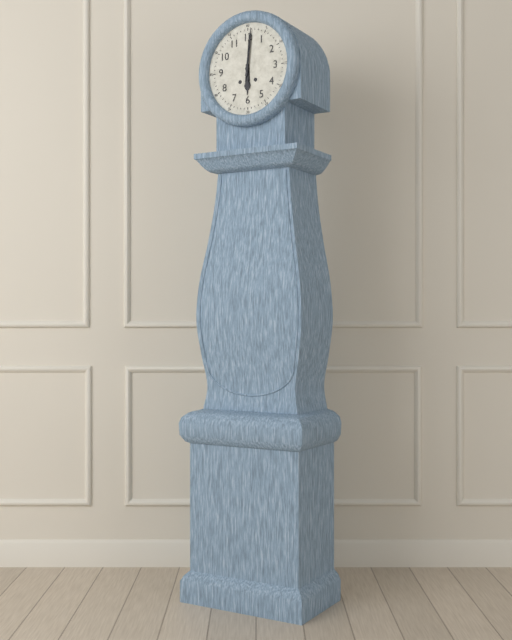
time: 6:01
